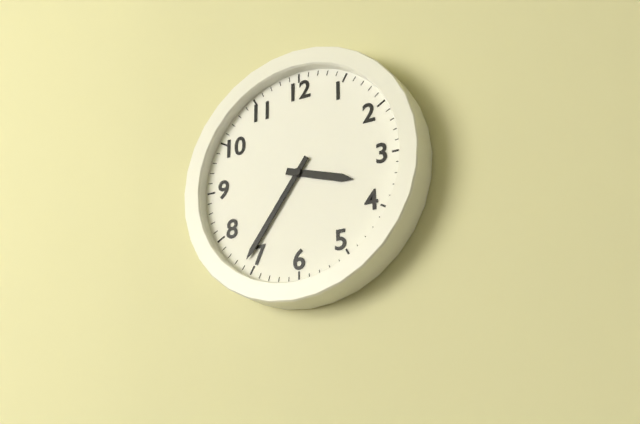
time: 3:36
